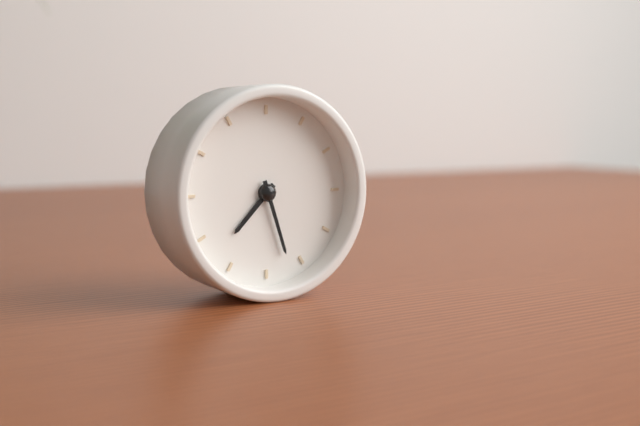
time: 7:27
